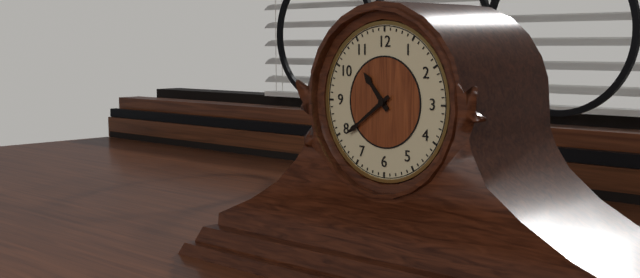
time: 10:39
